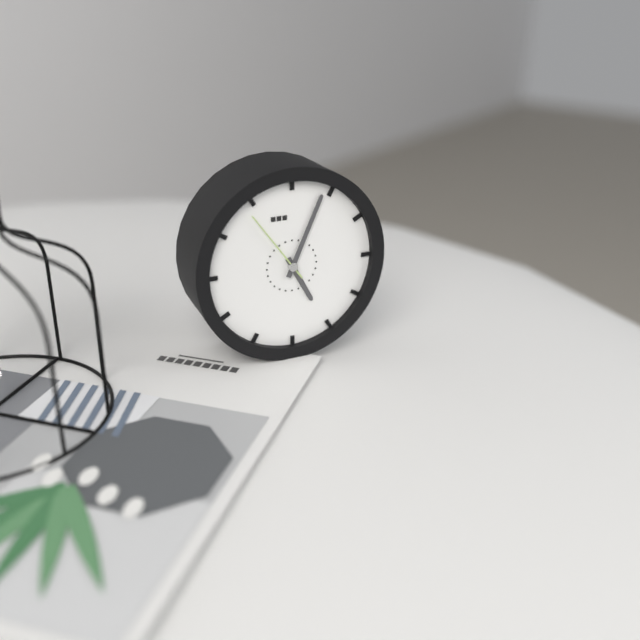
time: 5:04:54
